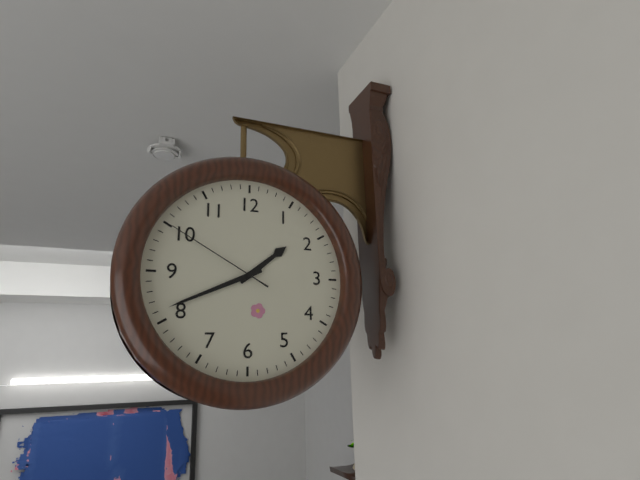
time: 1:41:50
